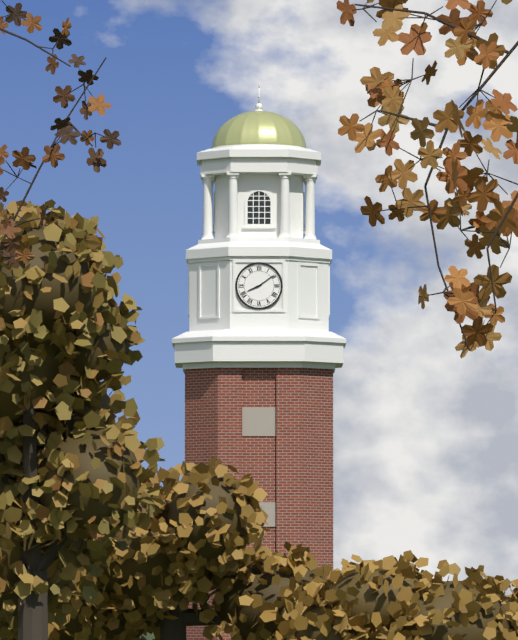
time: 8:09
